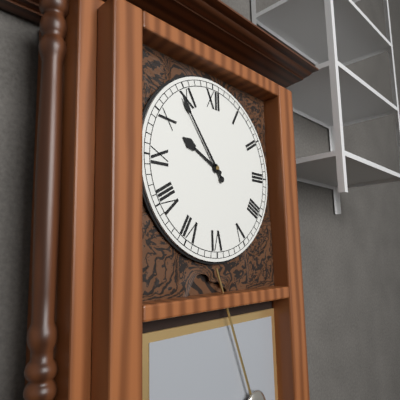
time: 9:54
